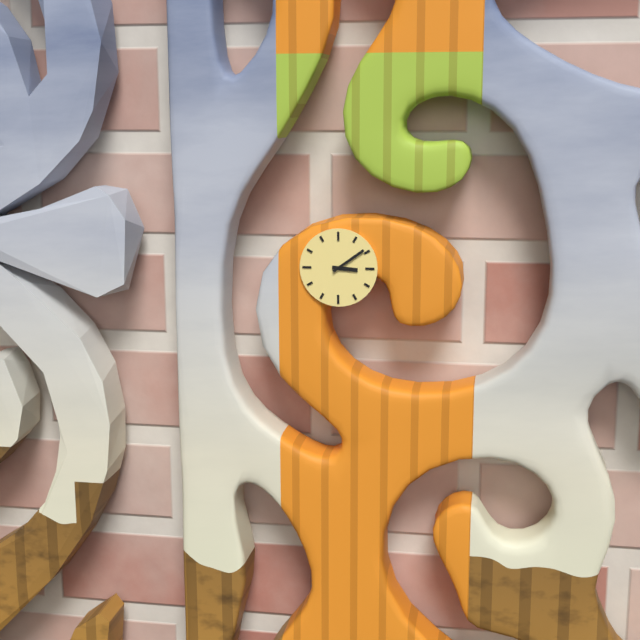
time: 3:09
